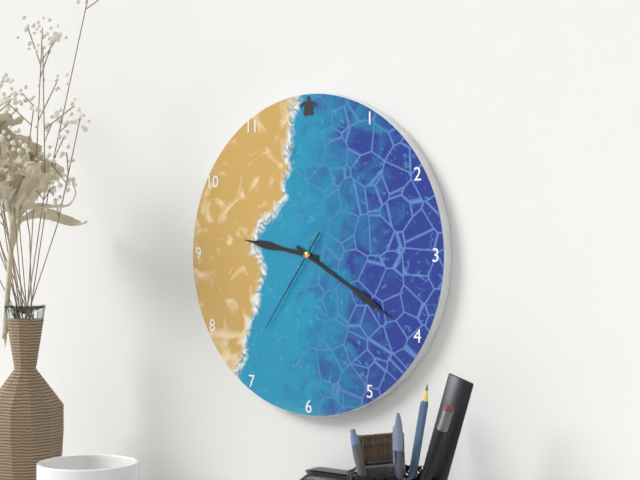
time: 9:20:36
